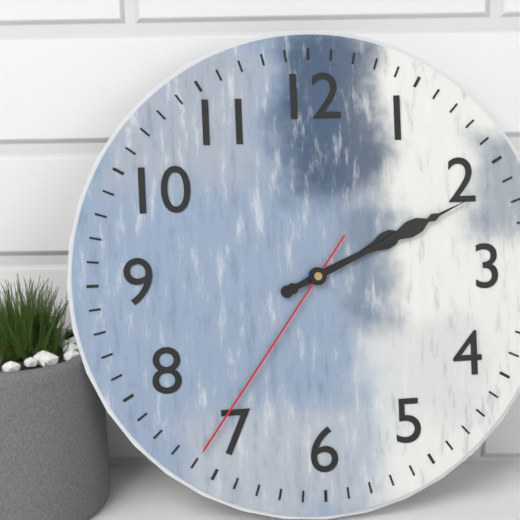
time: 2:11:36
